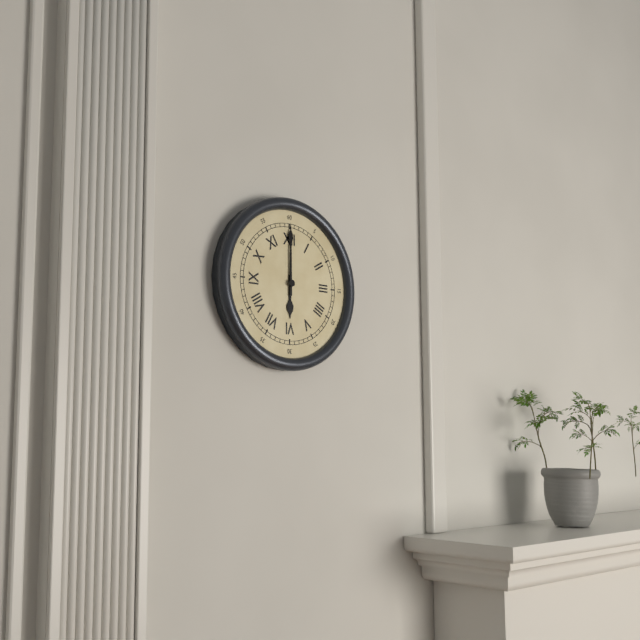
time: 6:00
